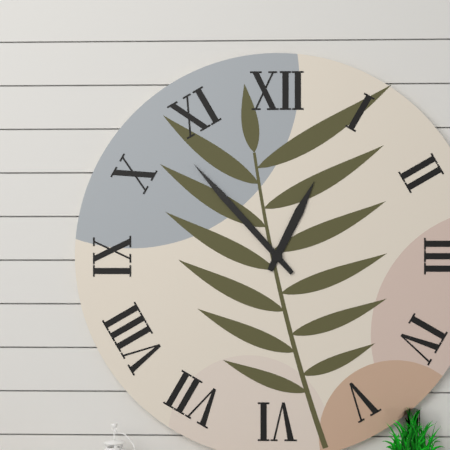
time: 12:53
